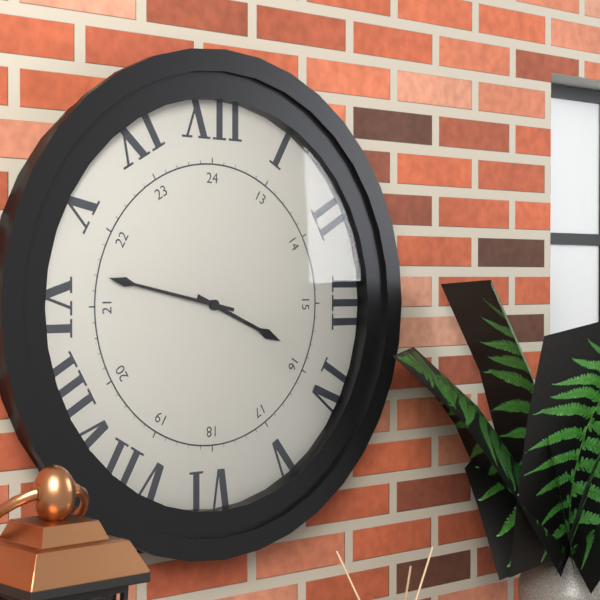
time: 3:47
